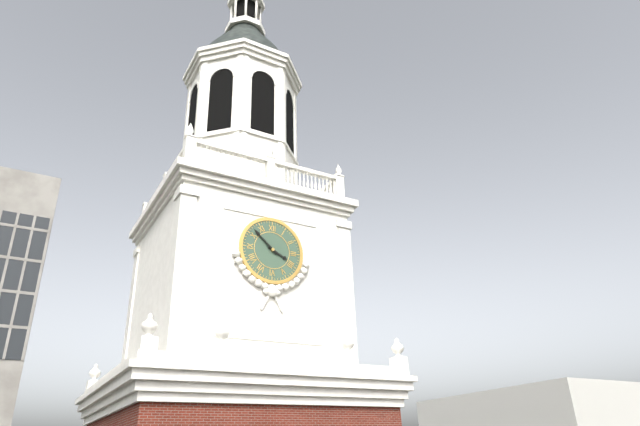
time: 3:52
